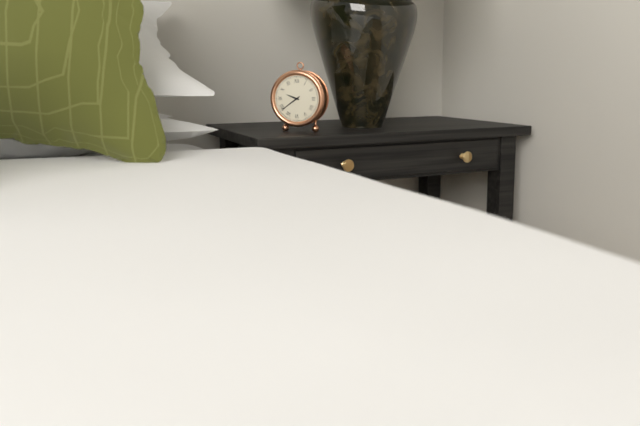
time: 9:39
